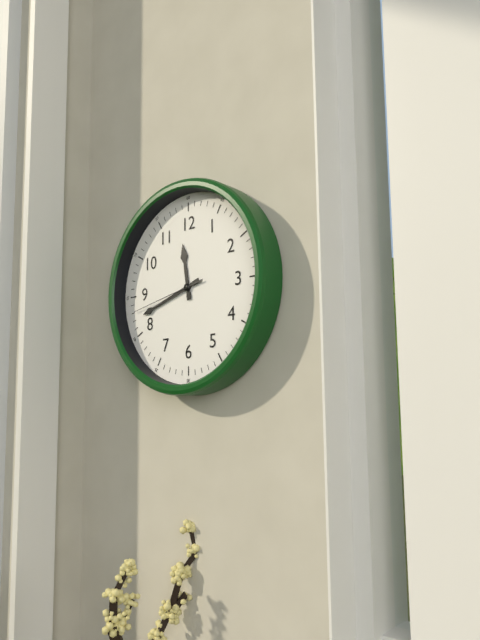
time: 11:42:43
